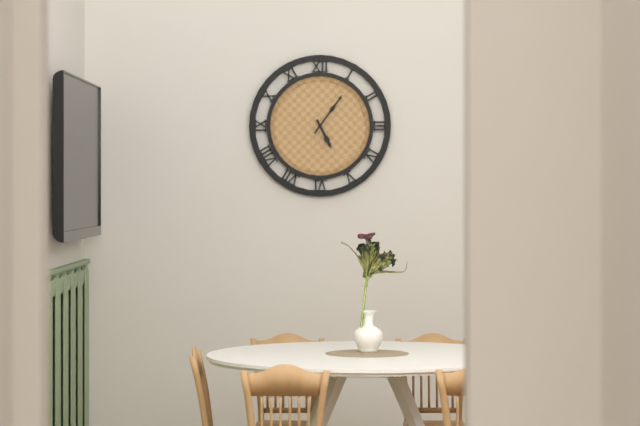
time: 5:06
